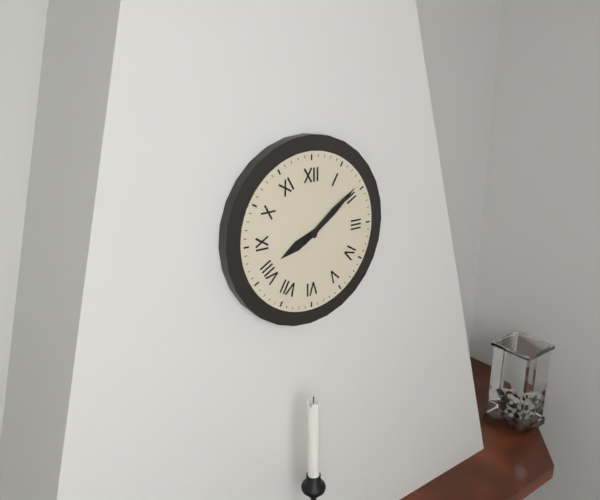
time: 8:09
